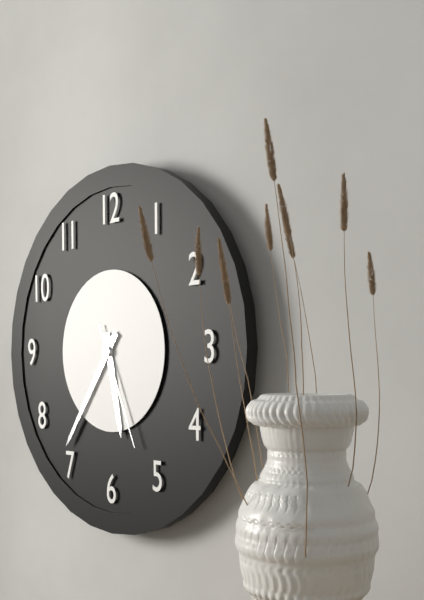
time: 5:36:26
